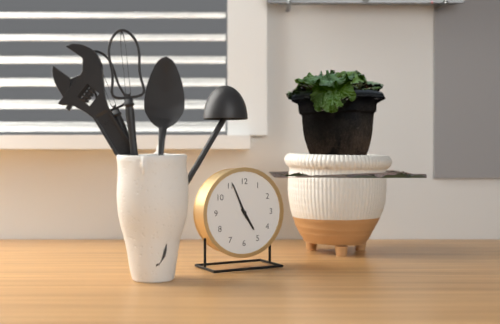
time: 4:56
